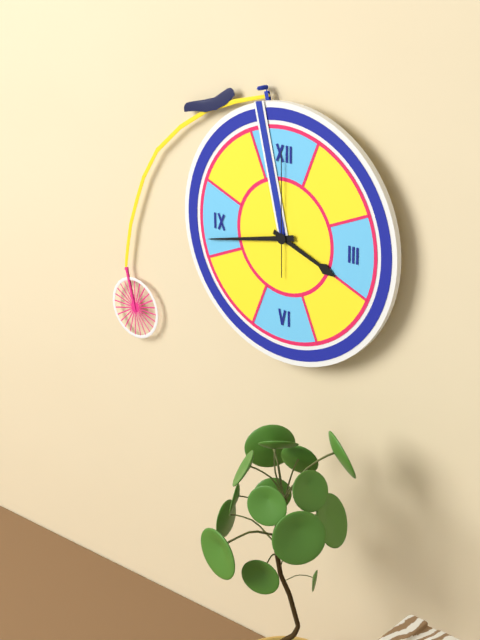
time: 3:43:00
